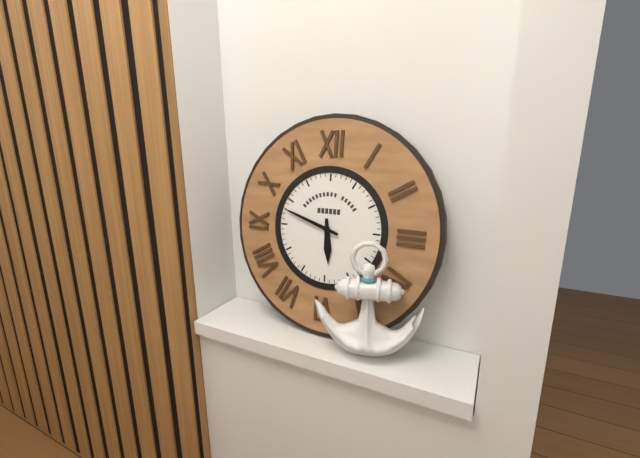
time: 5:48
